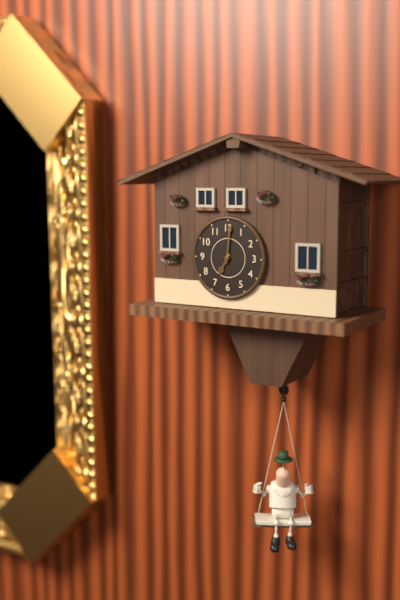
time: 7:01
